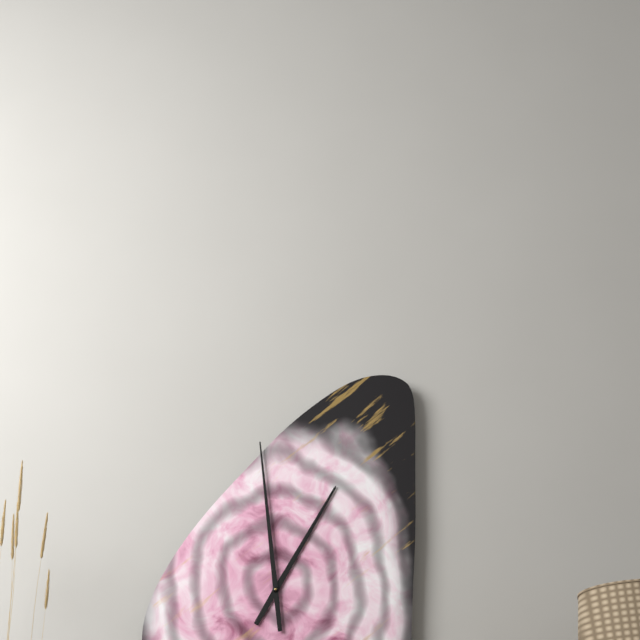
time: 12:59
